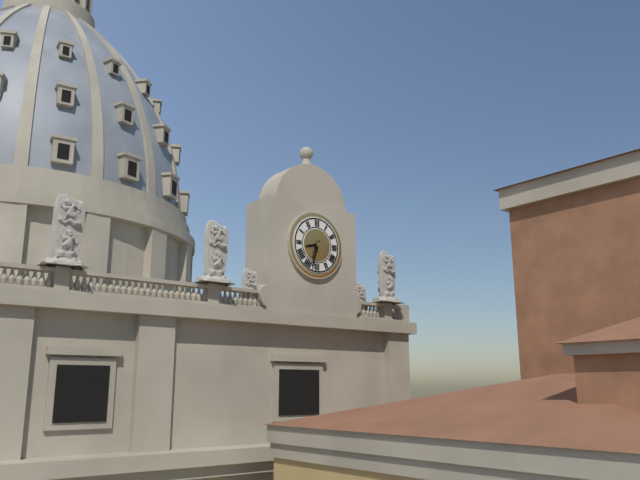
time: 8:33
